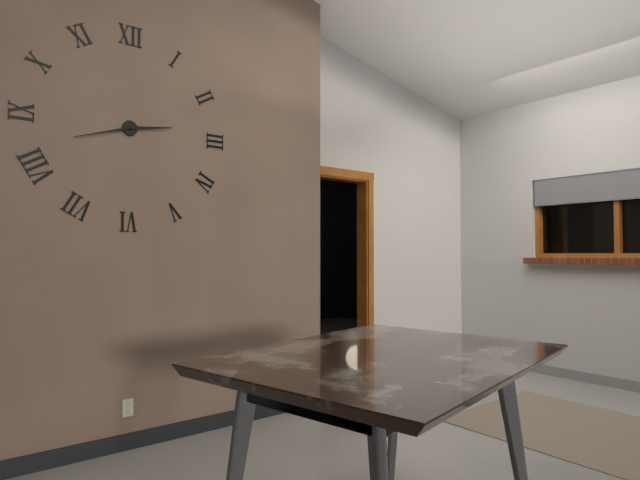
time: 2:42
